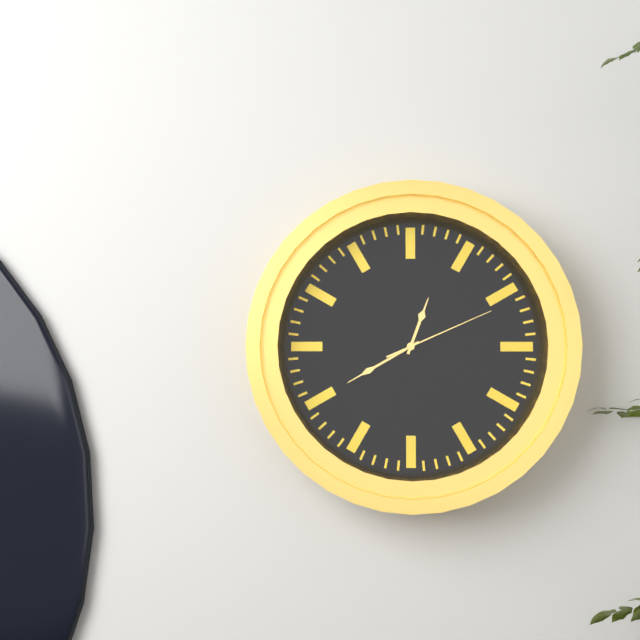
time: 12:40:11
